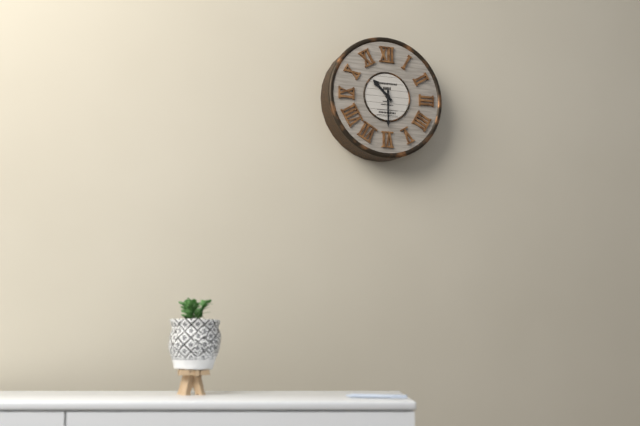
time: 10:30
